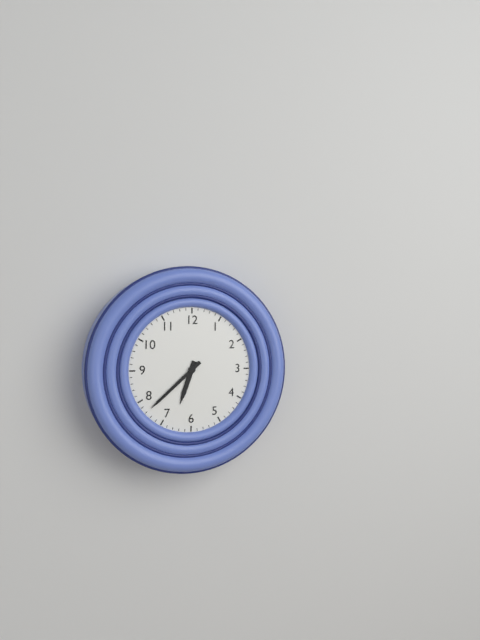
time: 6:38
